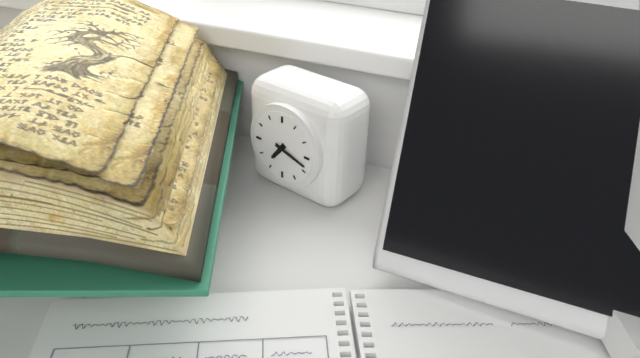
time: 7:18
